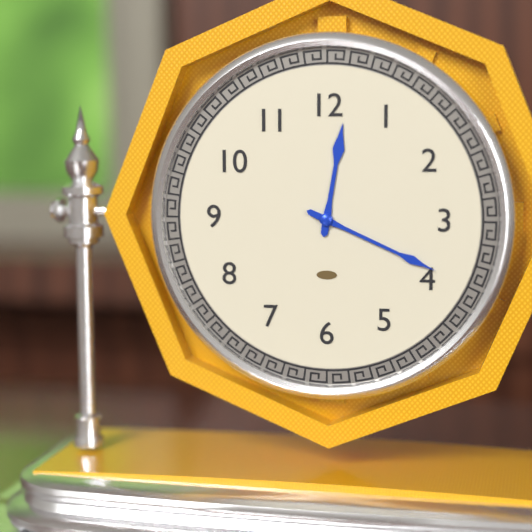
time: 12:19
